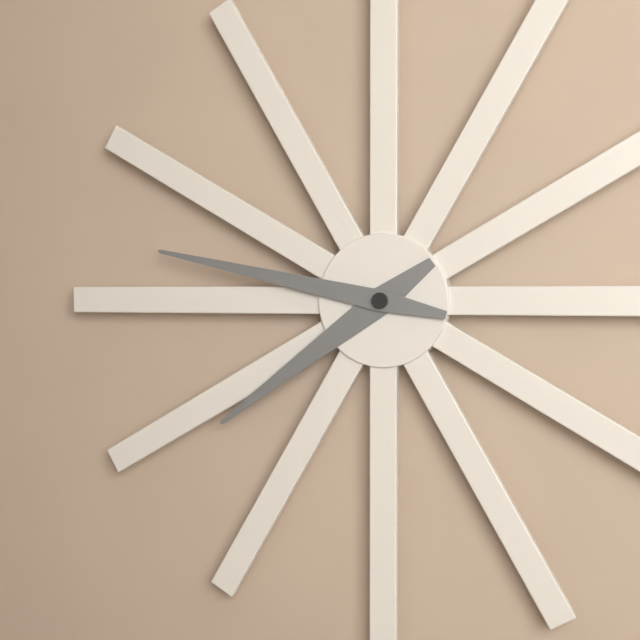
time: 7:47
